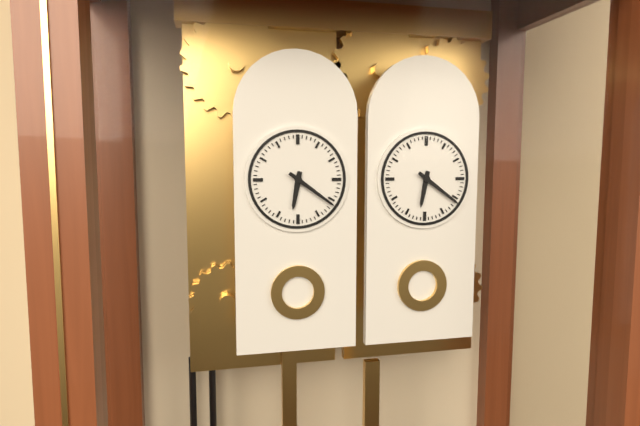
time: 6:21
